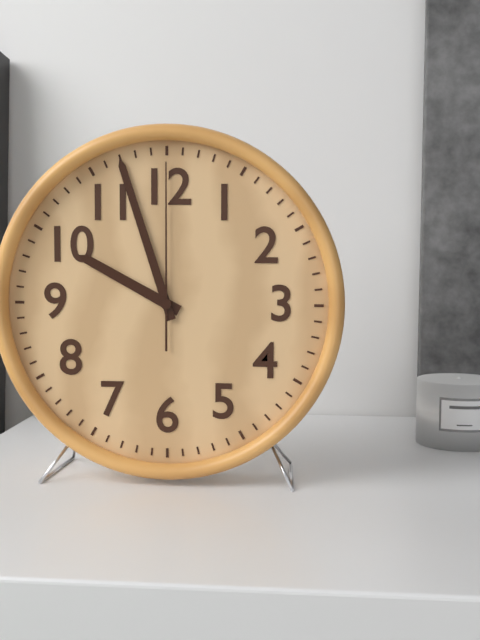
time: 9:57:00
